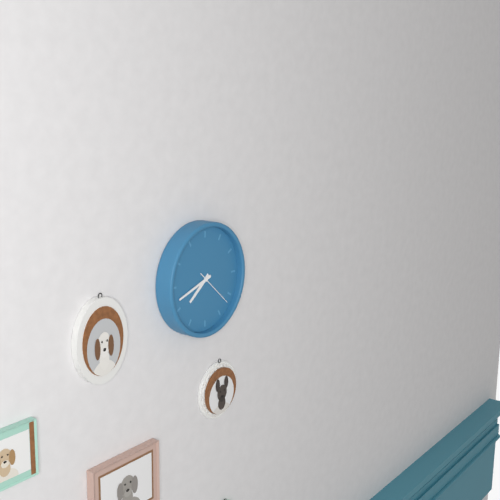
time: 7:42
